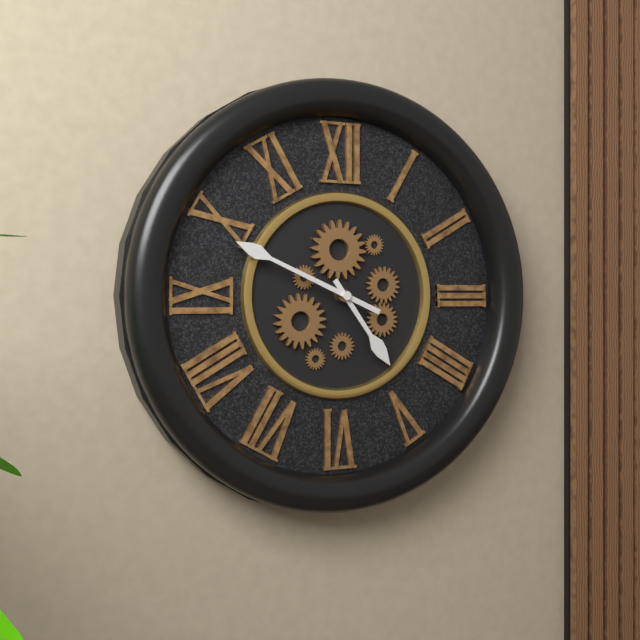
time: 4:49
